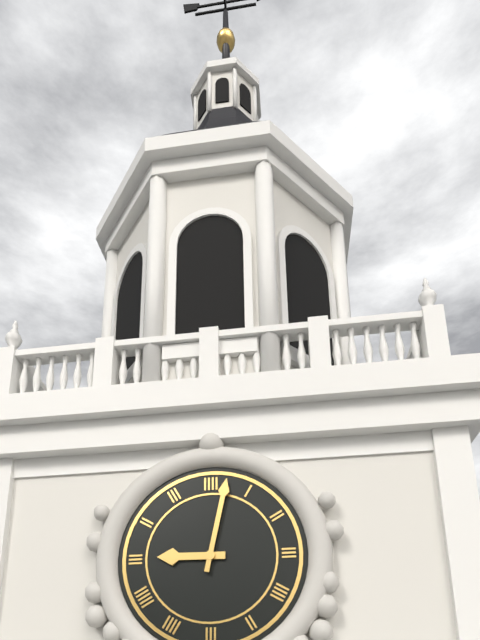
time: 9:02
